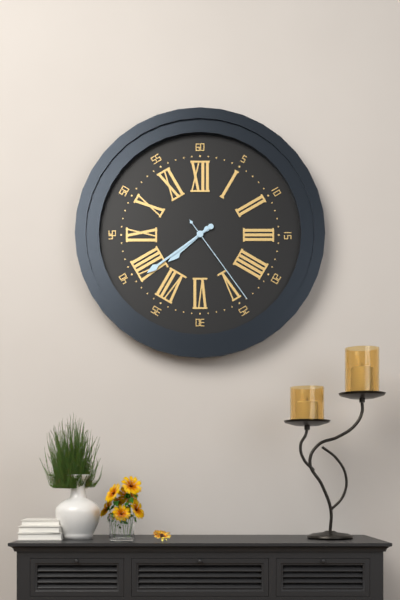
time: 7:39:24
